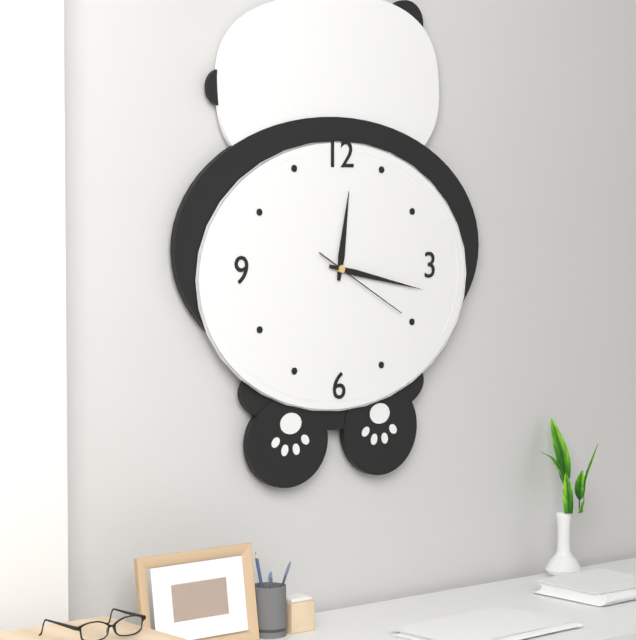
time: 12:17:20
